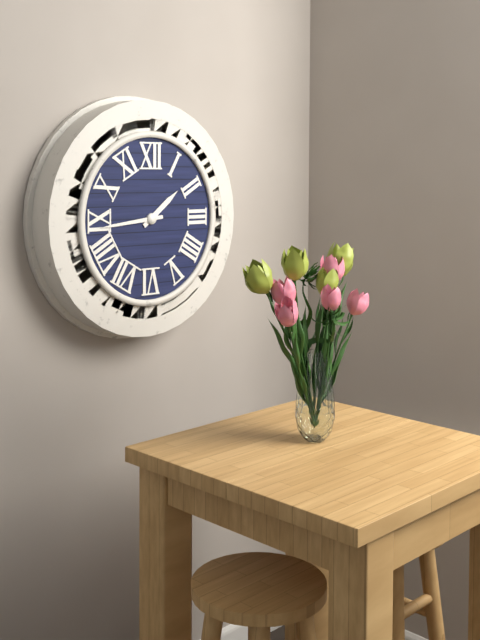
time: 1:44
